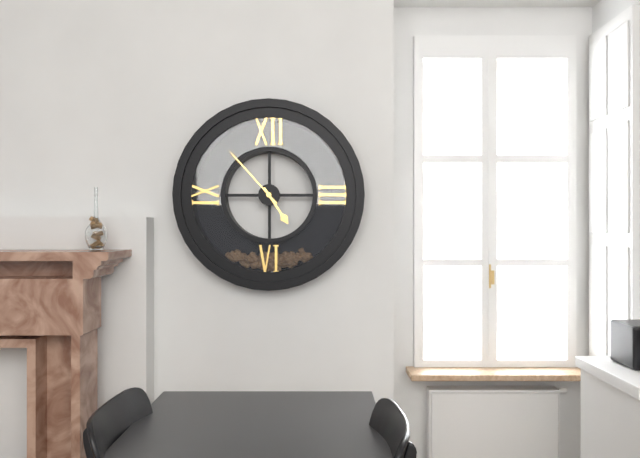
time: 4:53
